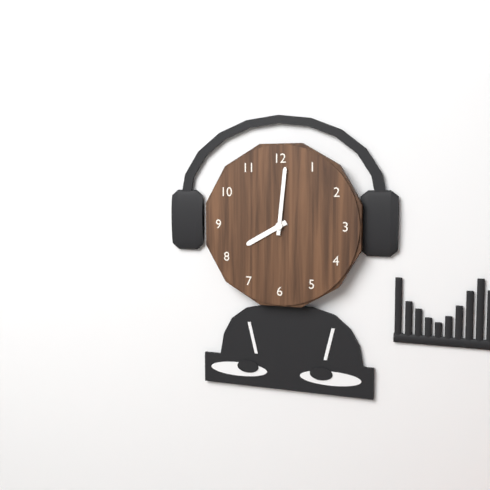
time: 8:01
